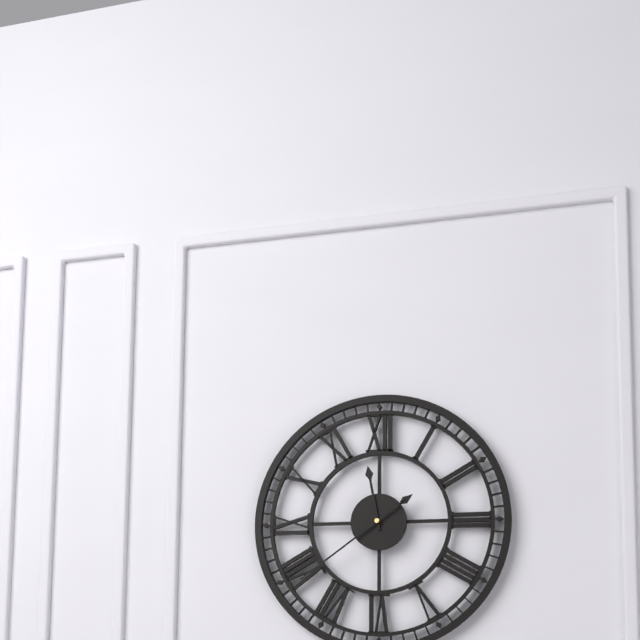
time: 11:39
